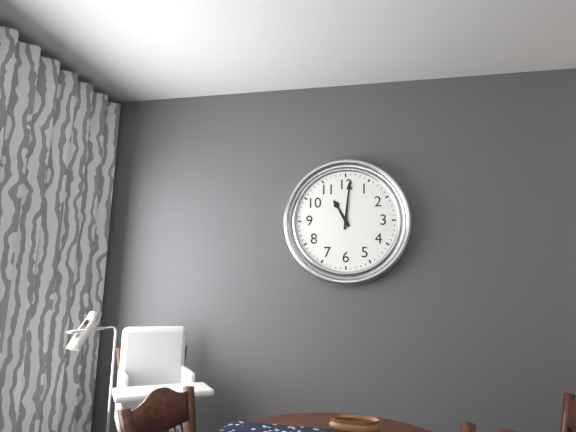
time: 11:01
